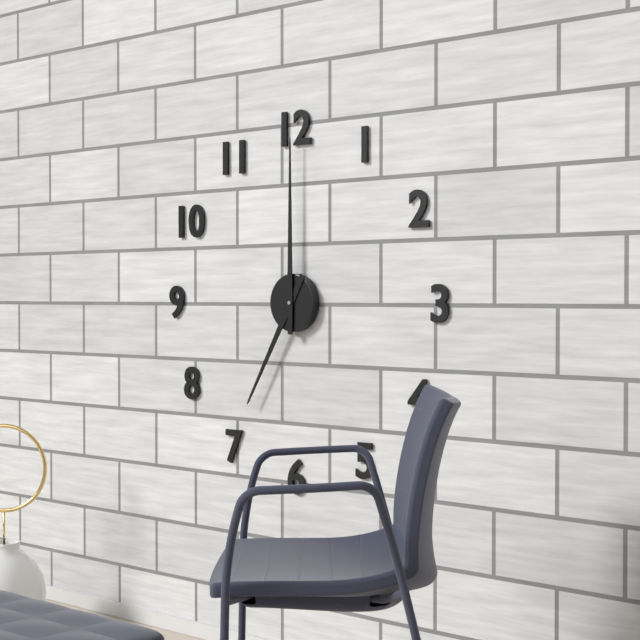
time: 7:00
